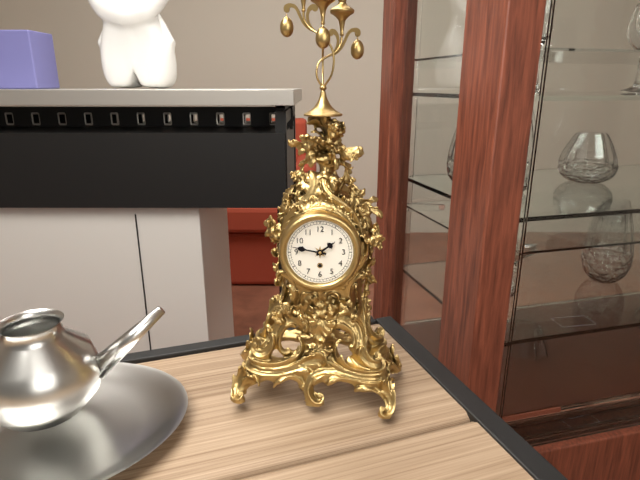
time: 1:47
